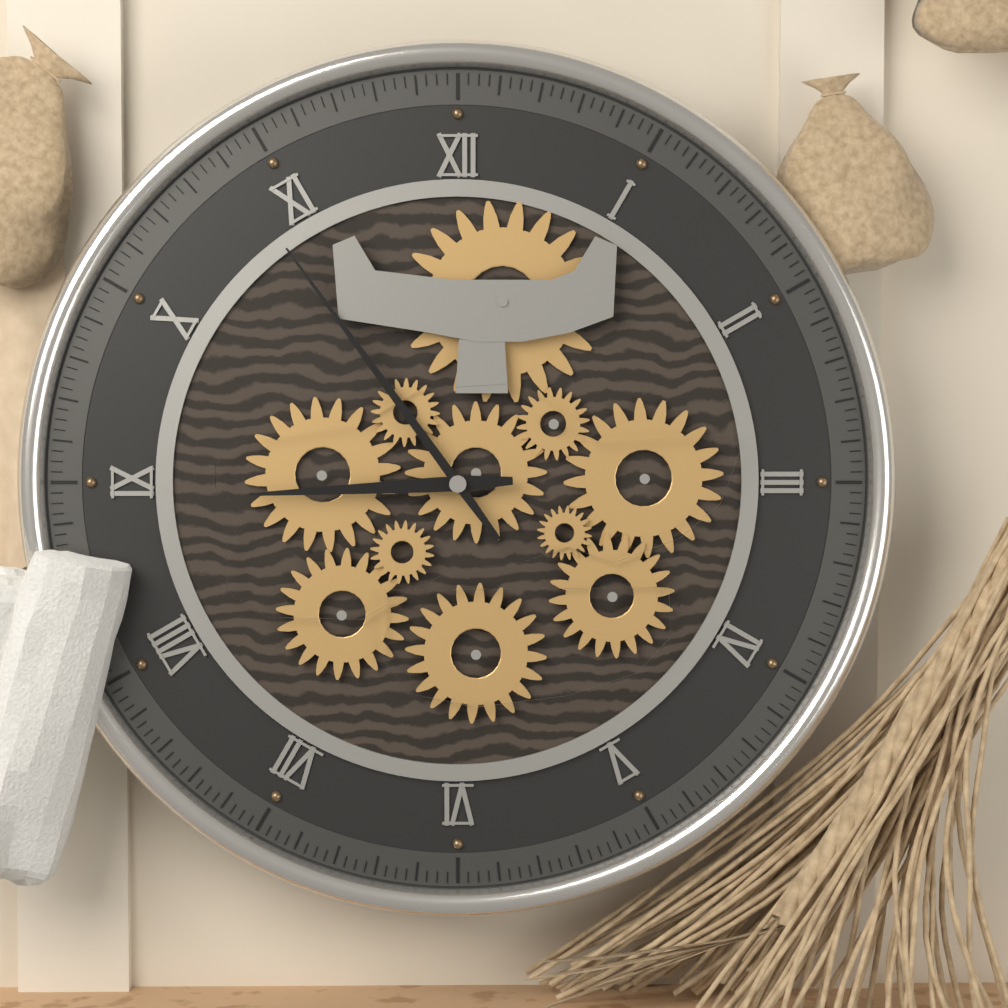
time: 8:54
